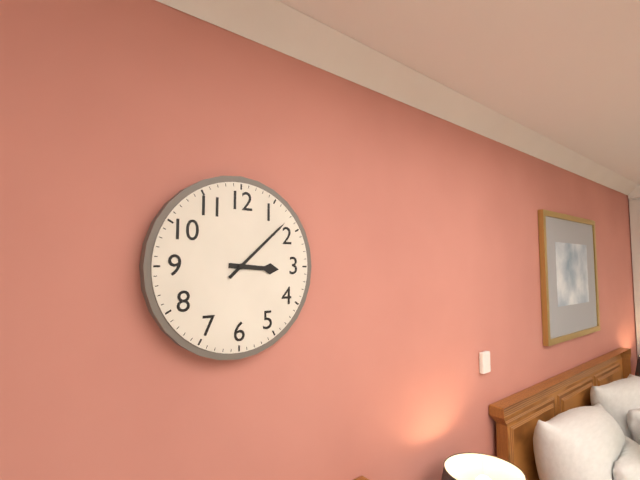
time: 3:08
